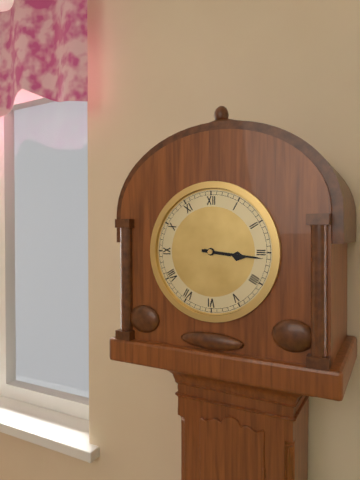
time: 3:16
